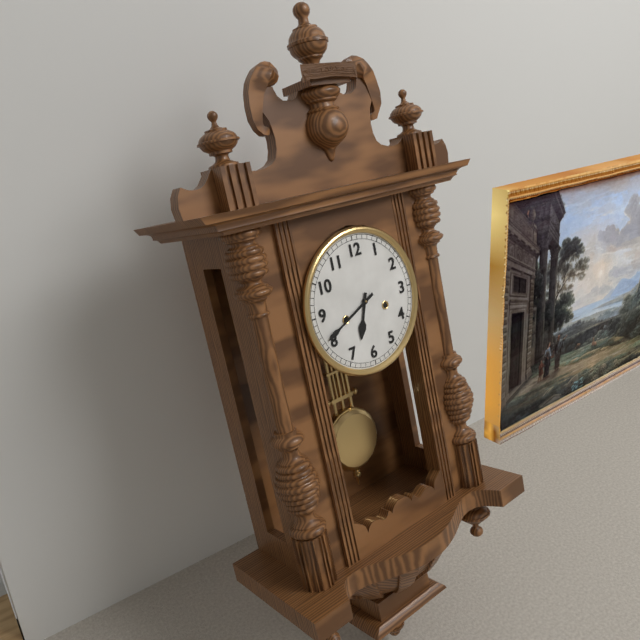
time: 6:41
